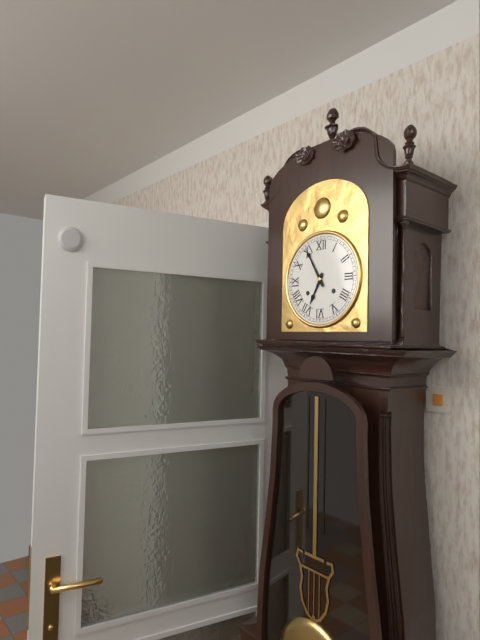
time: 6:55
